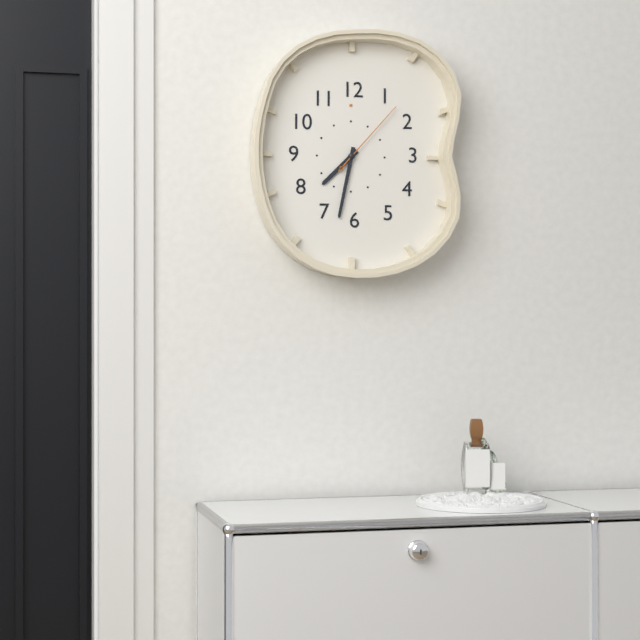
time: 7:32:07
